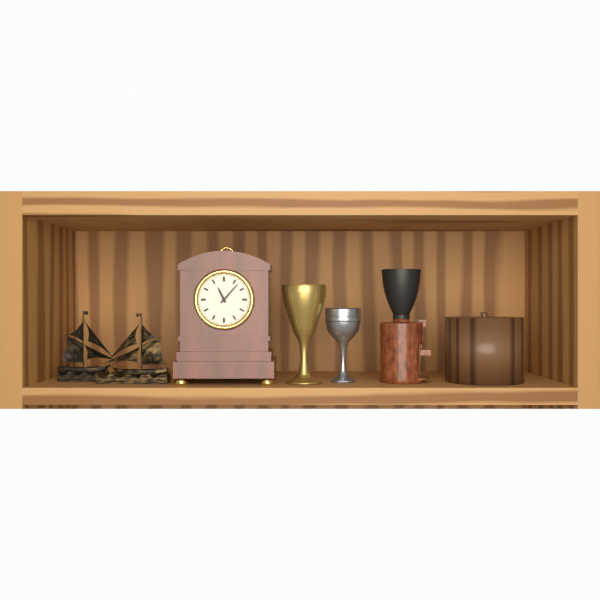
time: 11:07
